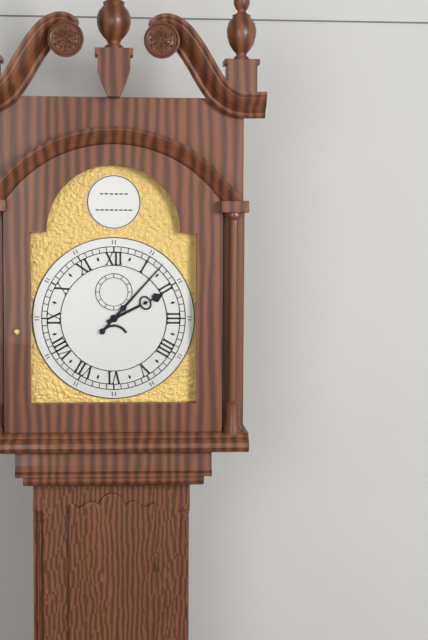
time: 2:07
